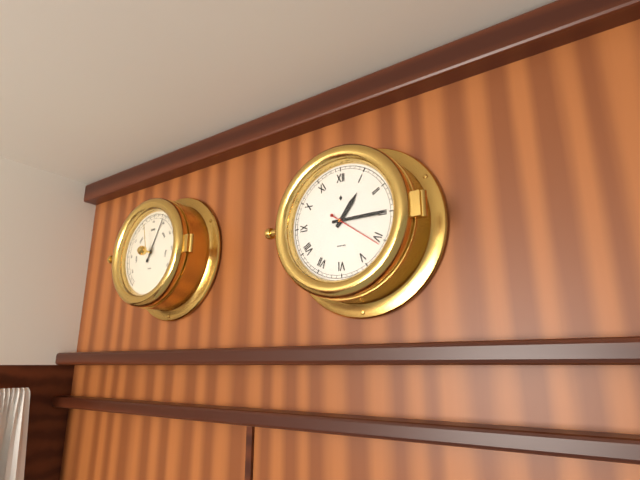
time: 1:15
